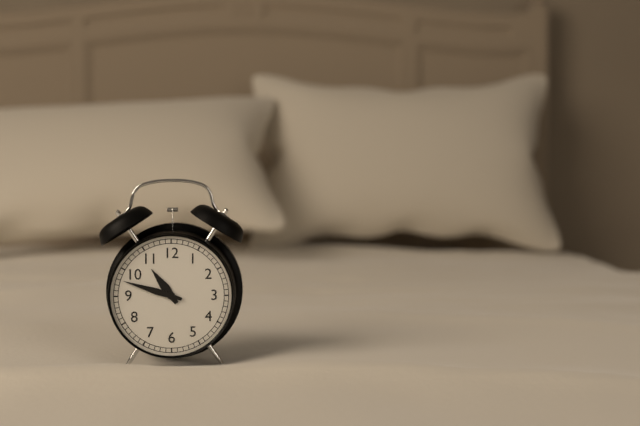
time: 10:48
